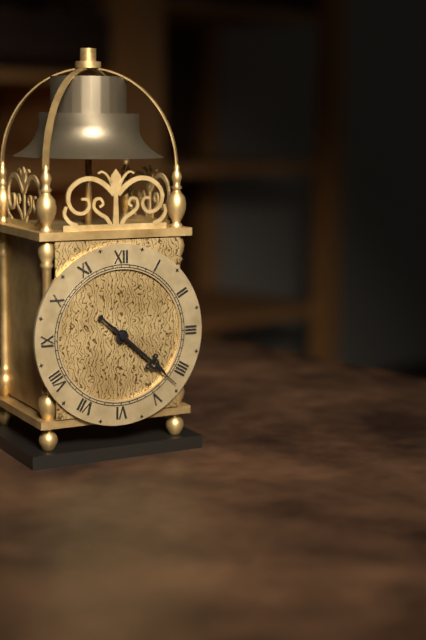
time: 4:22
